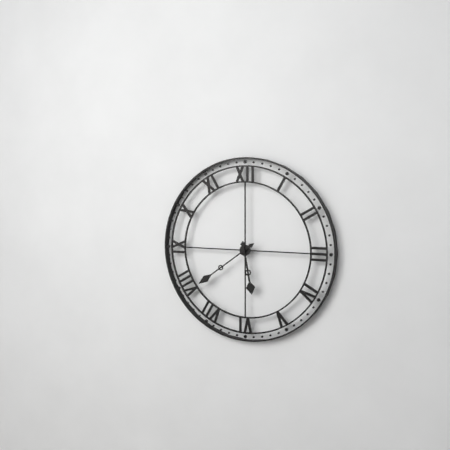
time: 5:39
